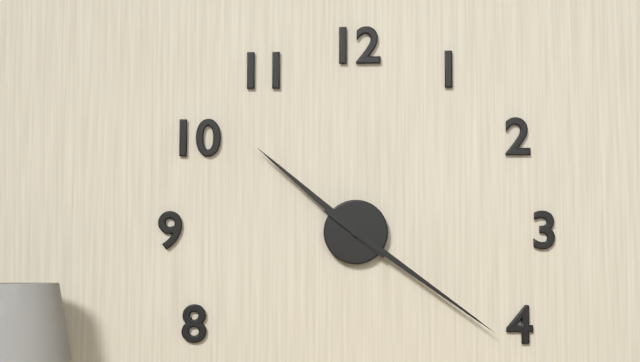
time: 10:21
